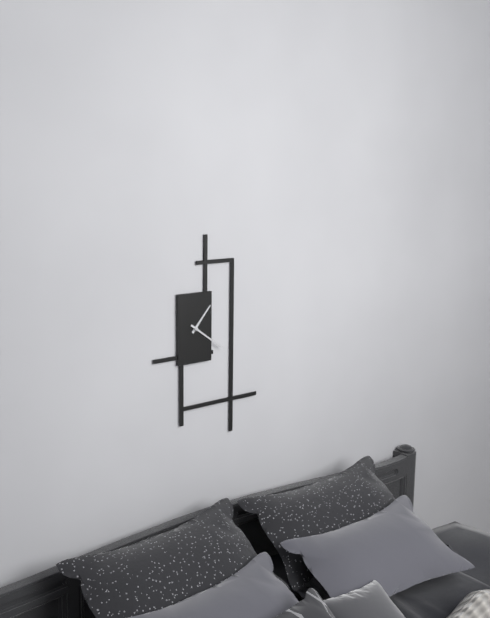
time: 1:21
